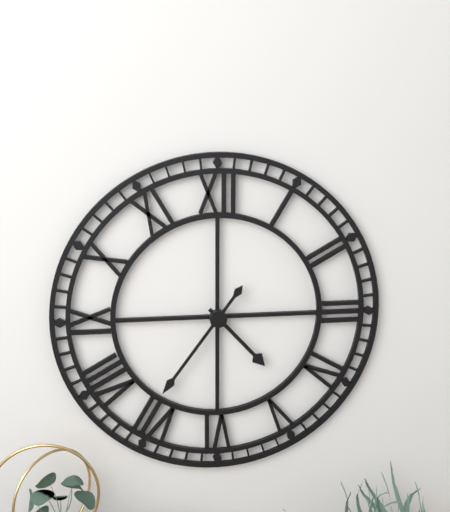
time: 4:36
